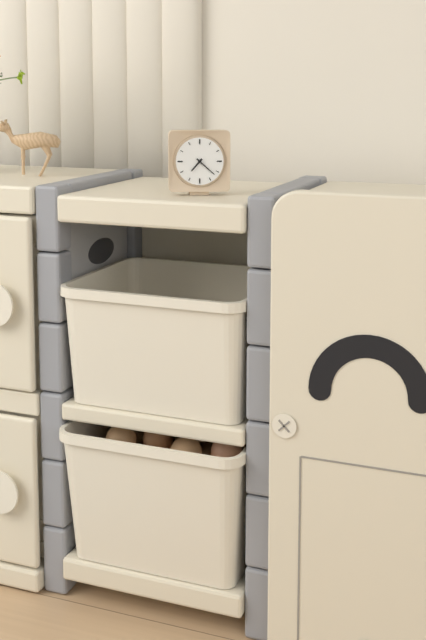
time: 7:22
